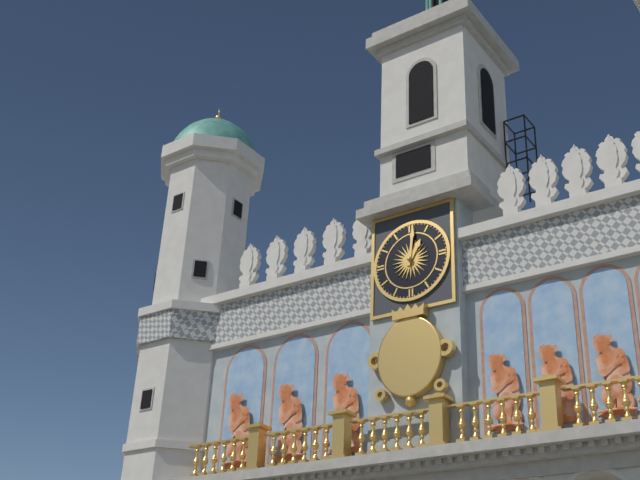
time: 1:01
